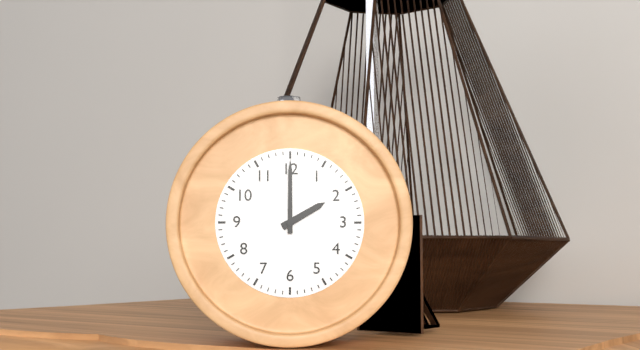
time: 2:00
